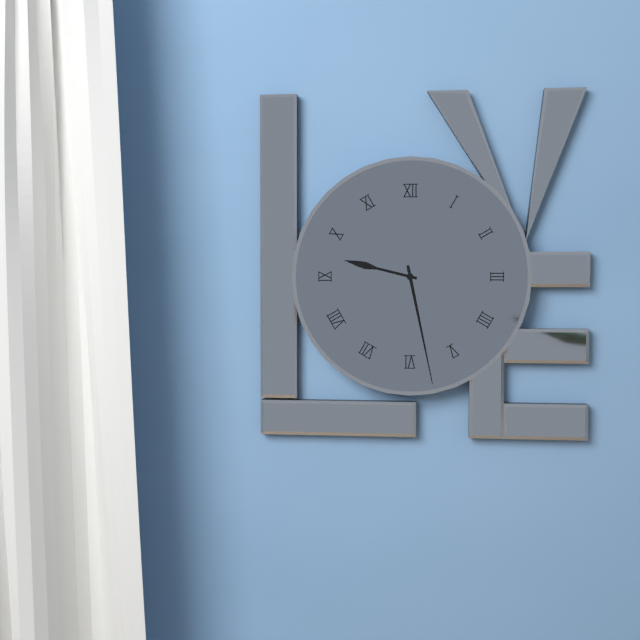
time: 9:28
